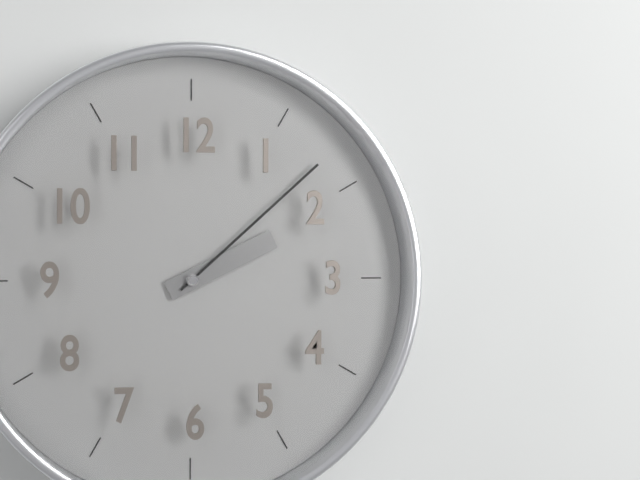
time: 2:08
